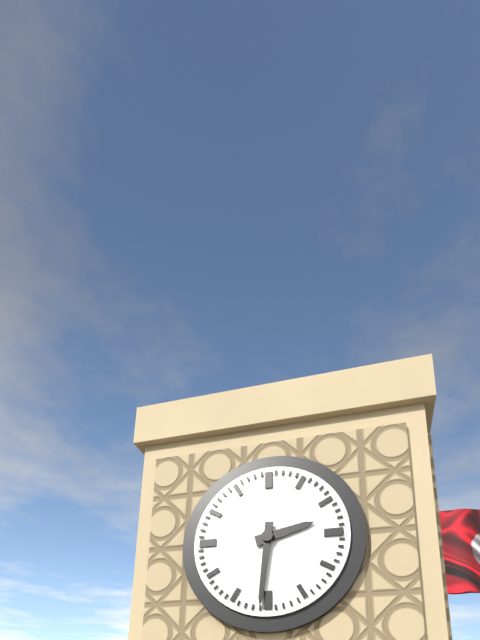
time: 2:31
